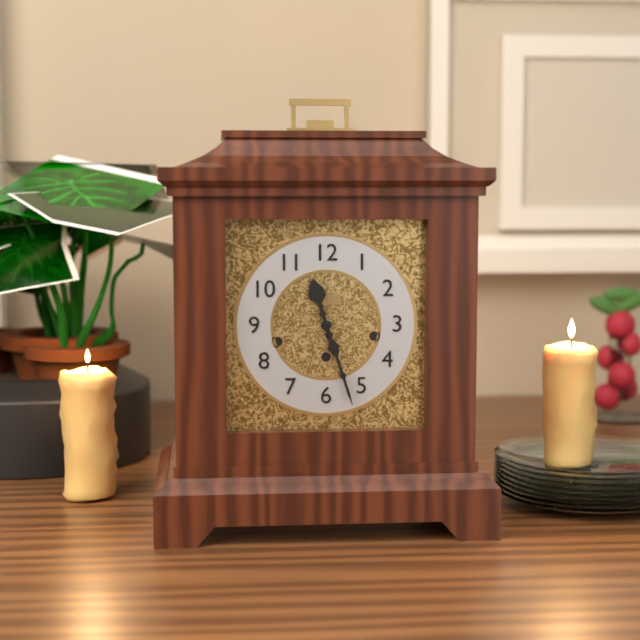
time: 11:27
